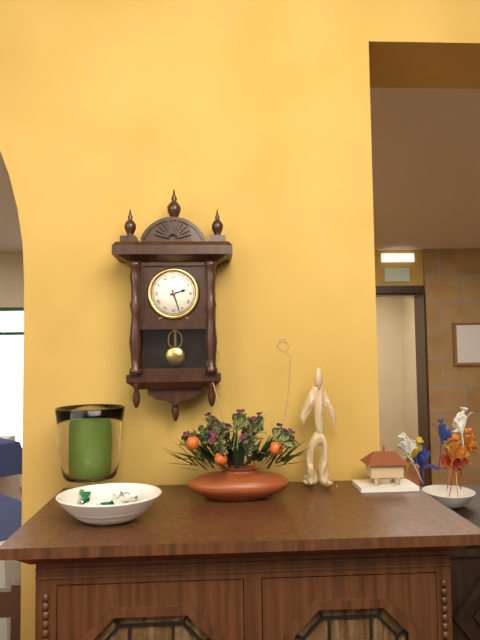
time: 2:27
